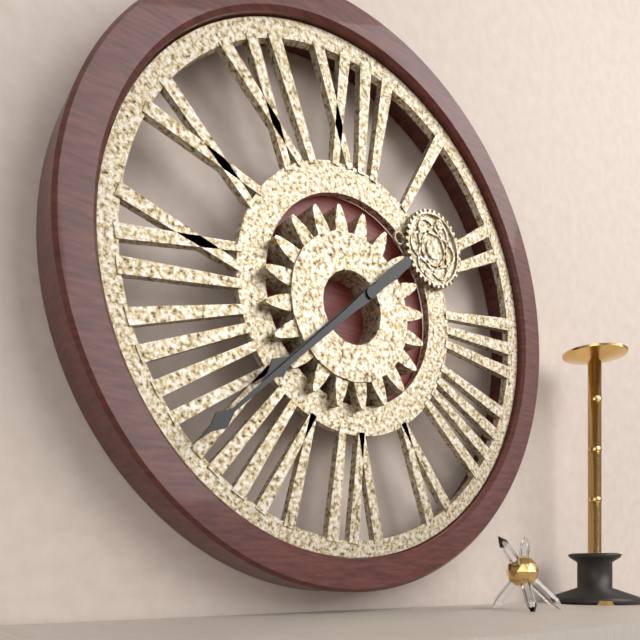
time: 7:38
